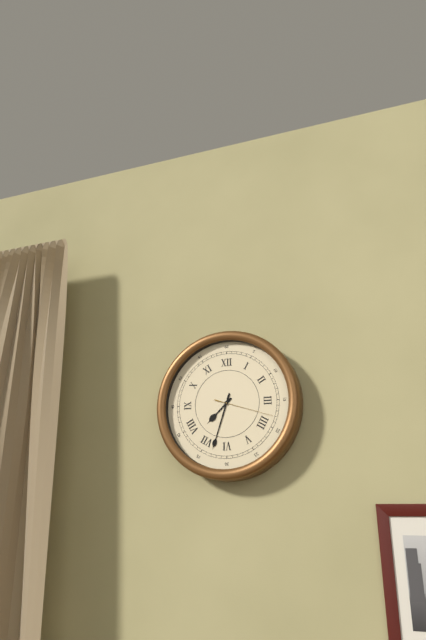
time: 7:33:18
